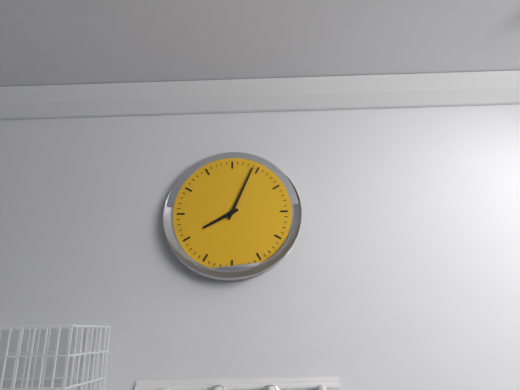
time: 8:04
